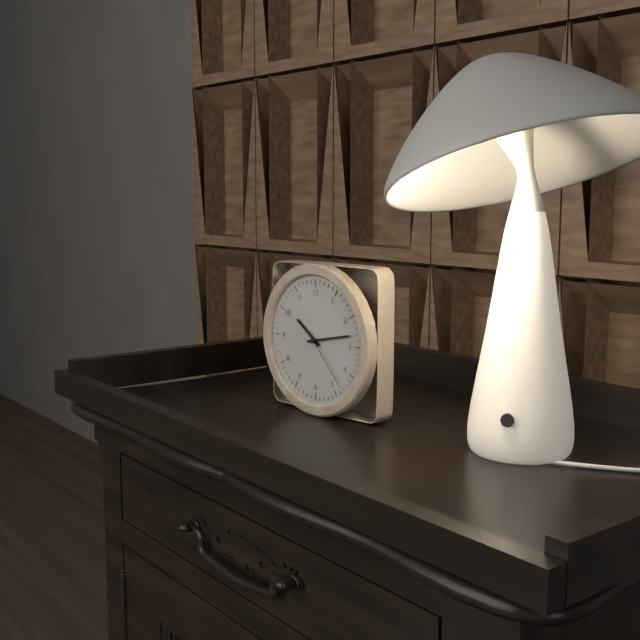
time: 10:13:23
